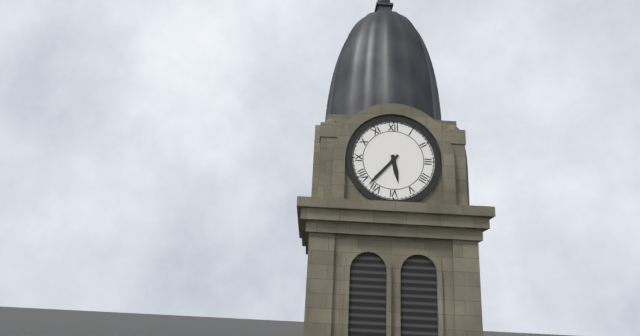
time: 5:37
